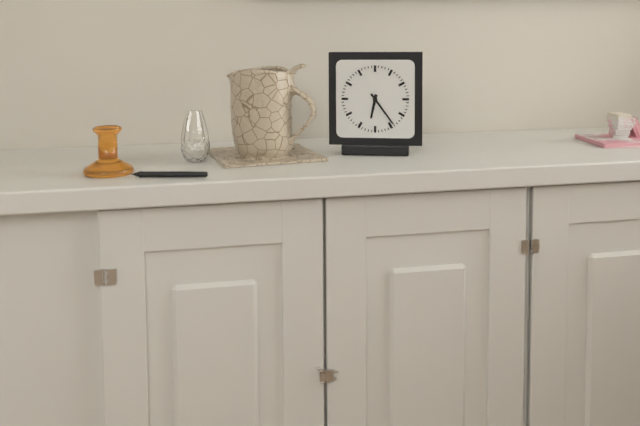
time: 6:24
